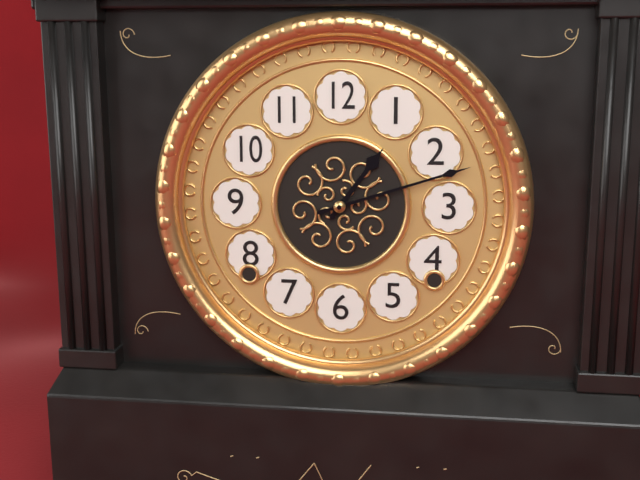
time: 1:12
